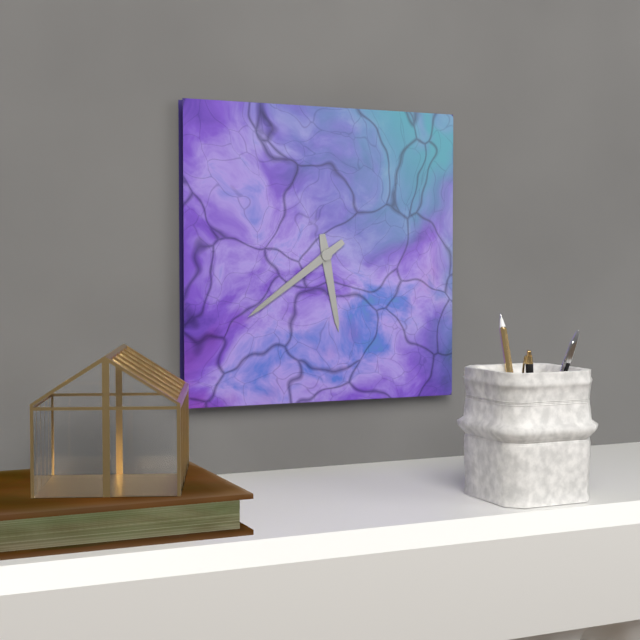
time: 5:39
